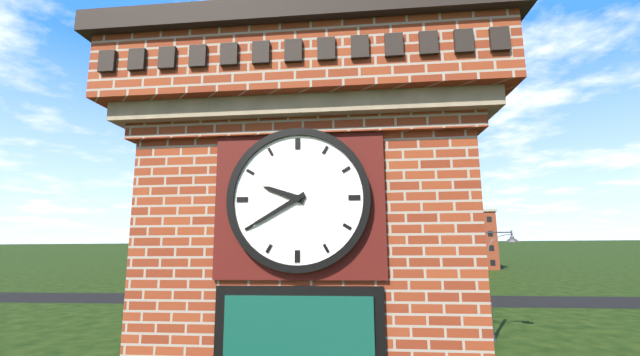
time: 9:40
